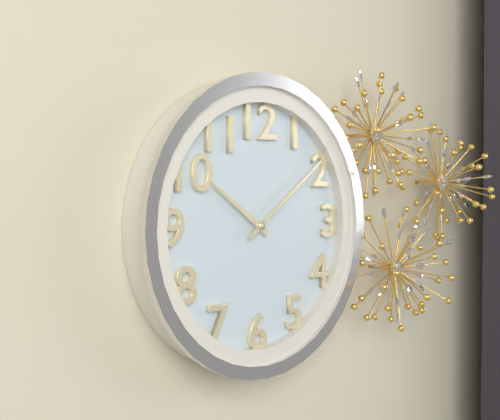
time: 10:09
